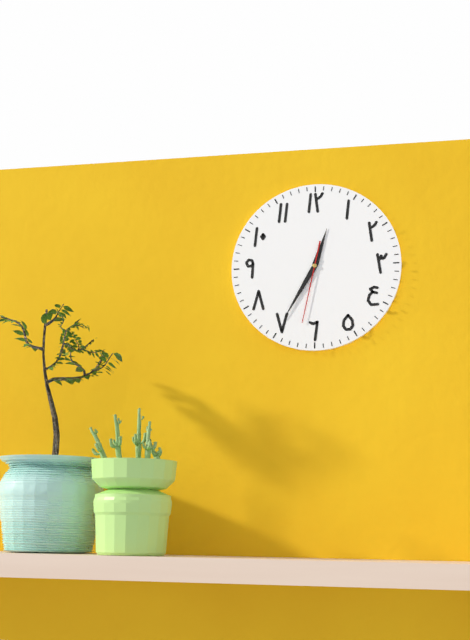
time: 12:35:32
